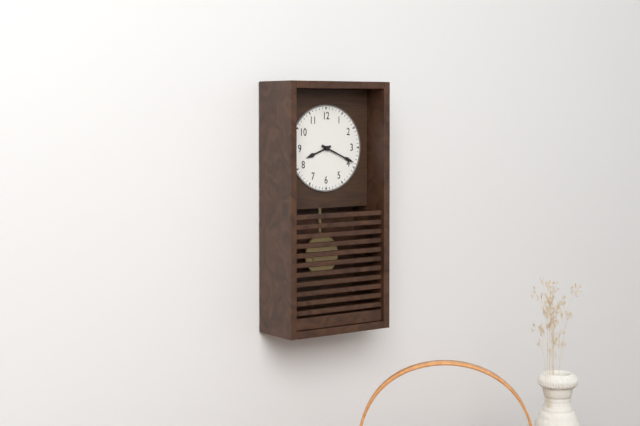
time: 8:19
